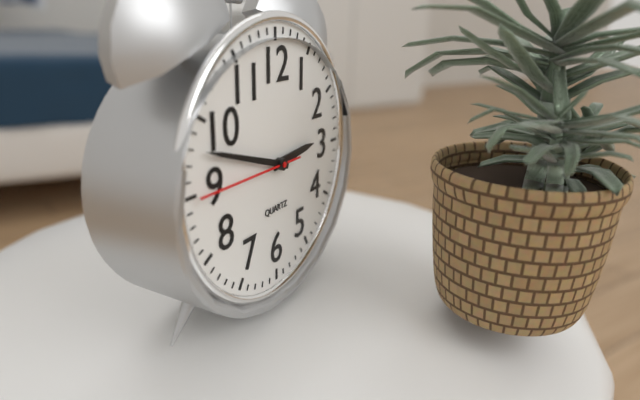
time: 2:48:45
